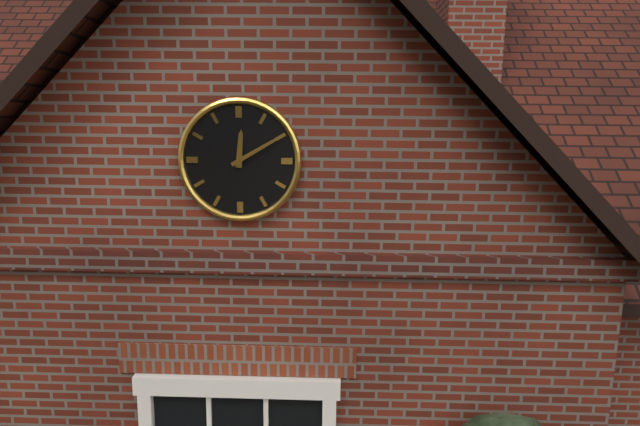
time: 12:10
